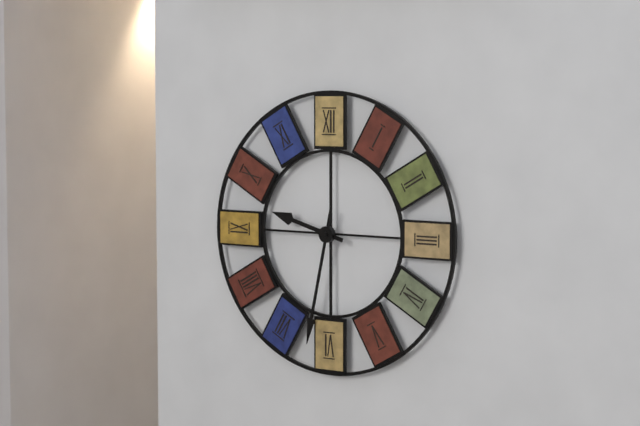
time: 9:32
